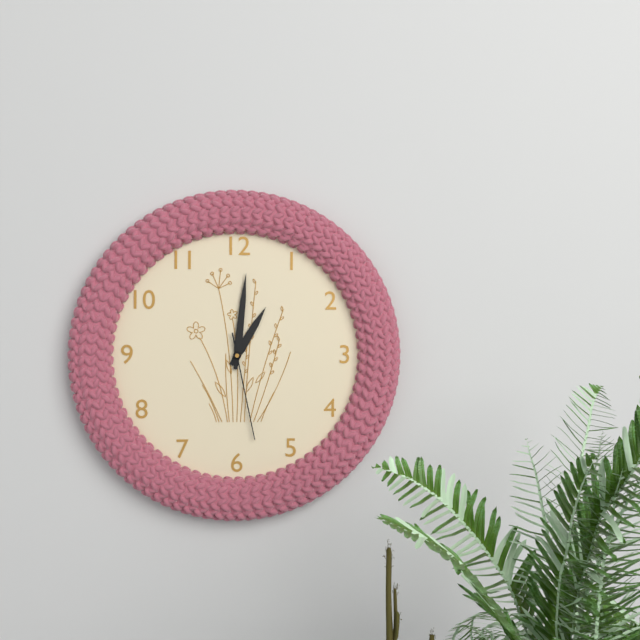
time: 1:01:28
